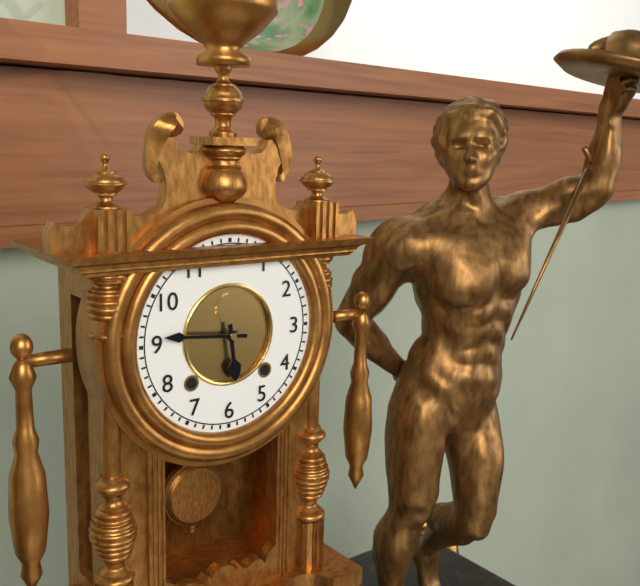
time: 5:46
